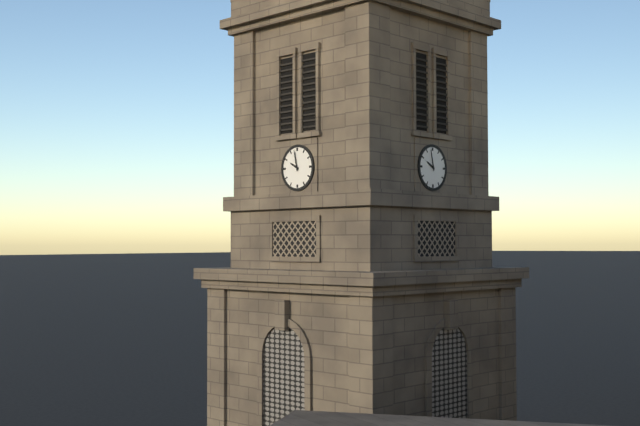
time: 9:58
